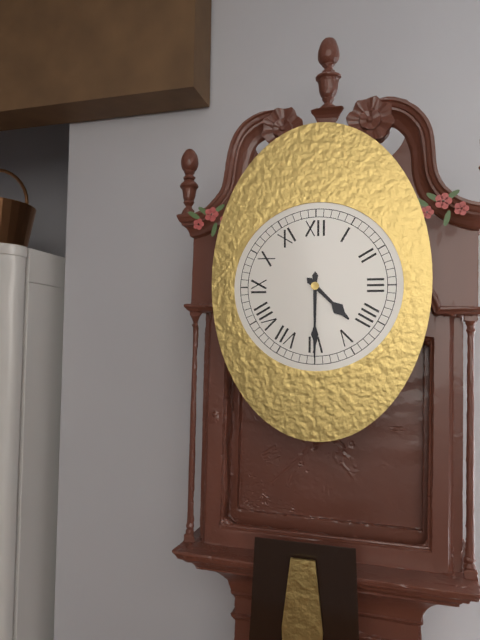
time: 4:30
